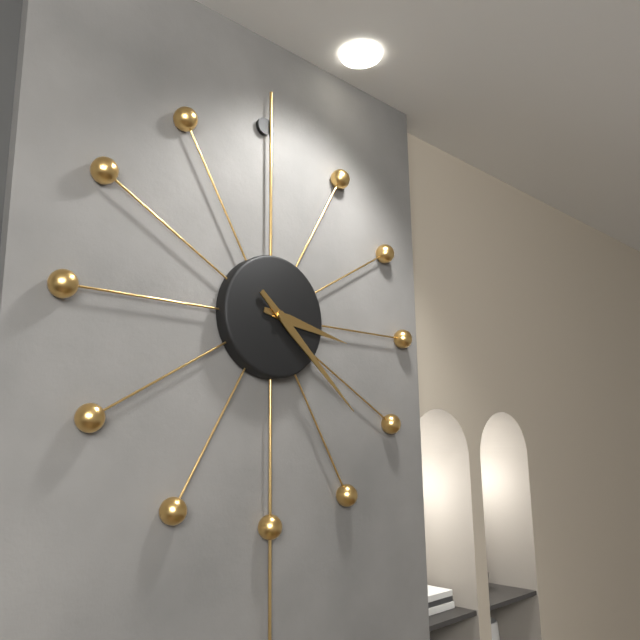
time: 3:22
